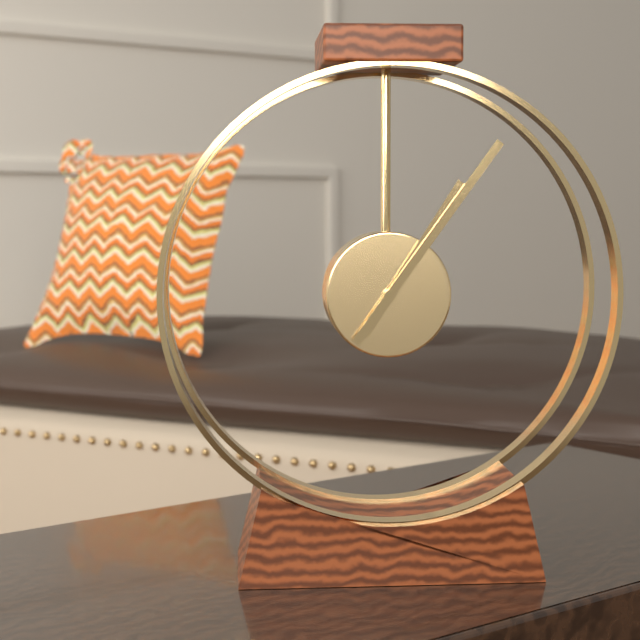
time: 1:06
